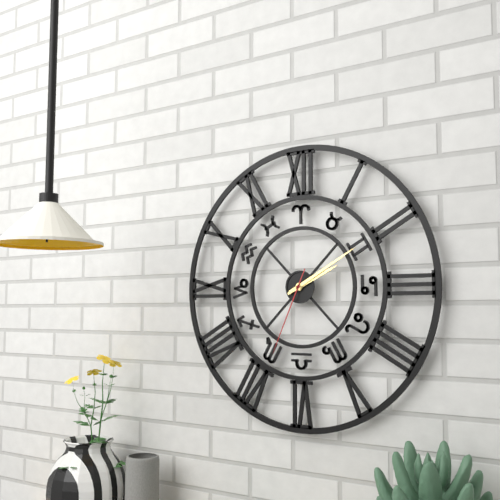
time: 2:10:34
